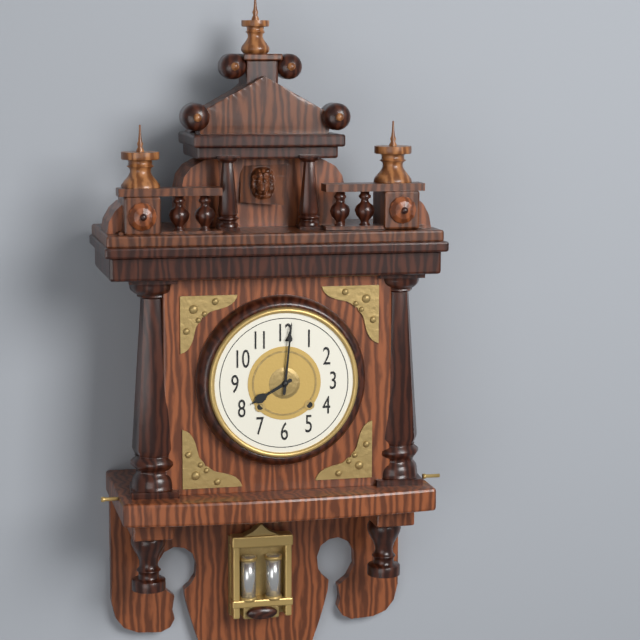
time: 8:01
